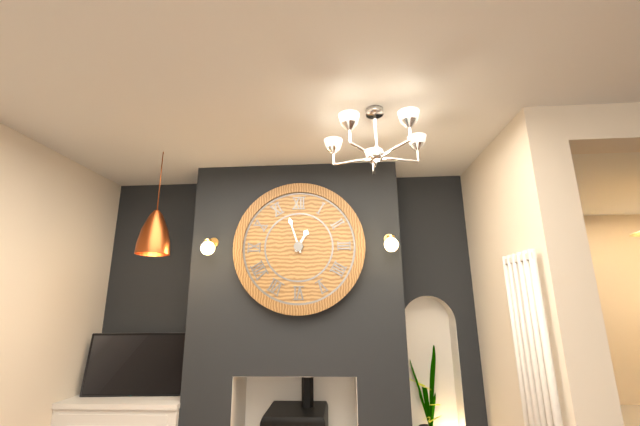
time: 12:57
